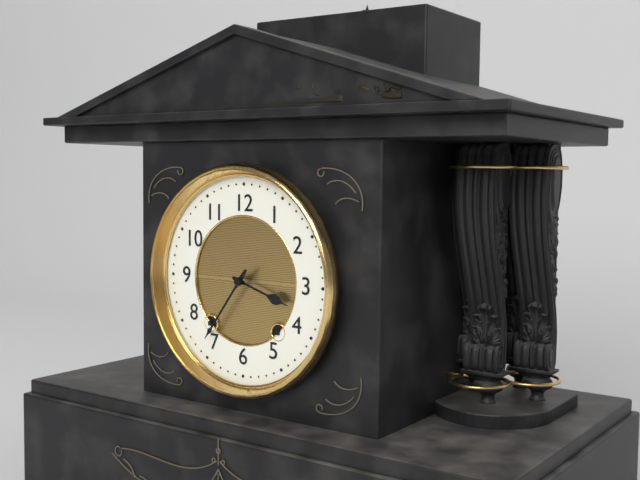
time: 3:36
